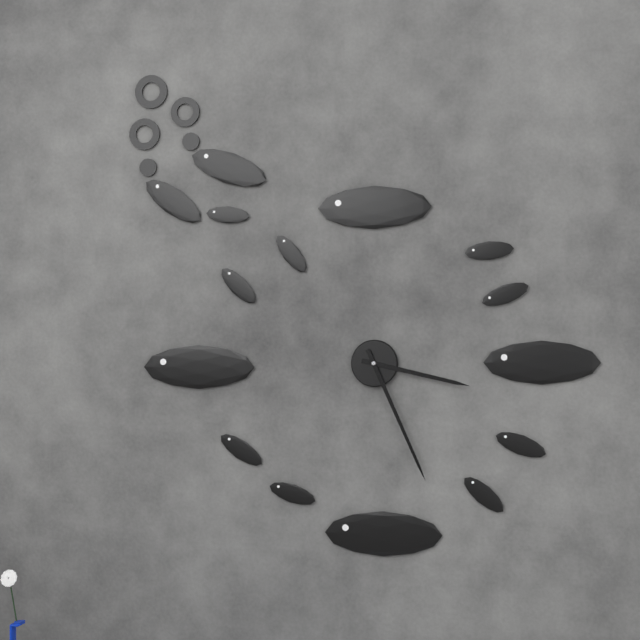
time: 3:26
